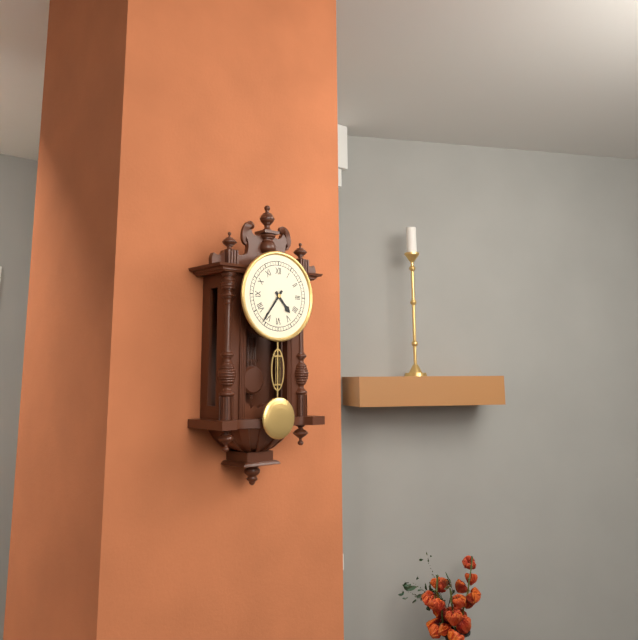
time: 4:36
